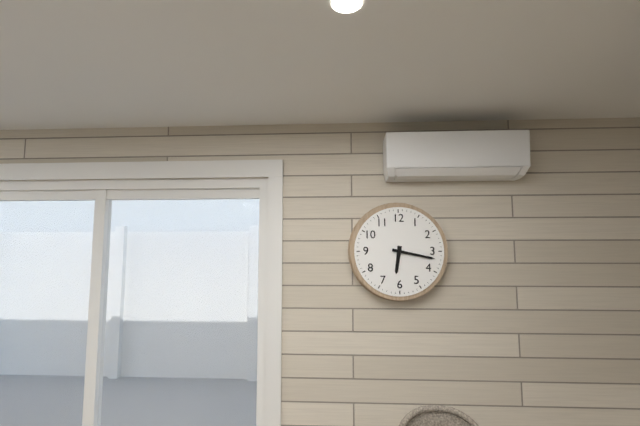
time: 6:17
